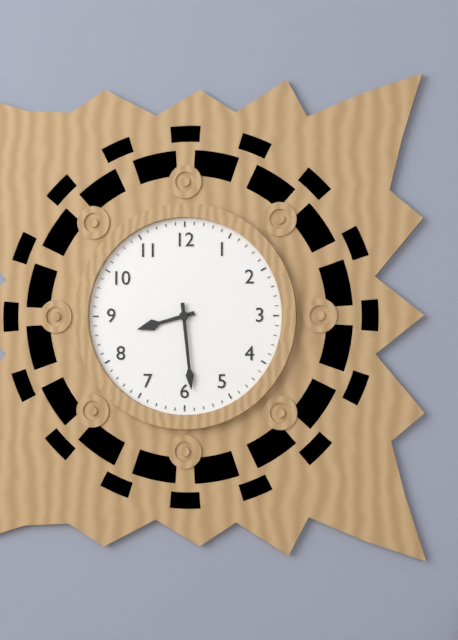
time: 8:29
